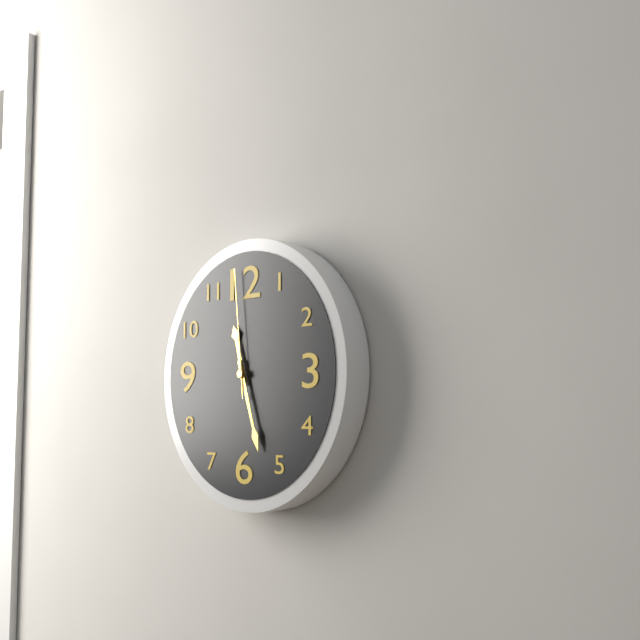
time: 11:27:59
